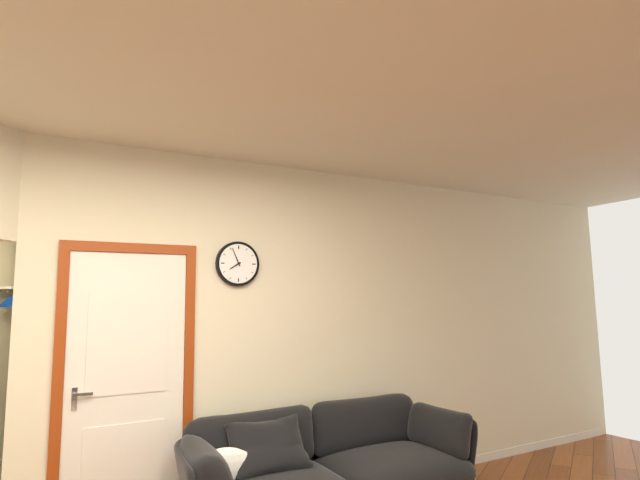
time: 7:56
